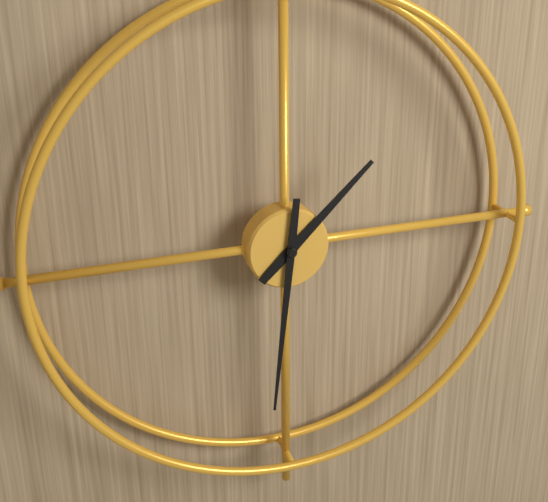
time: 1:31
